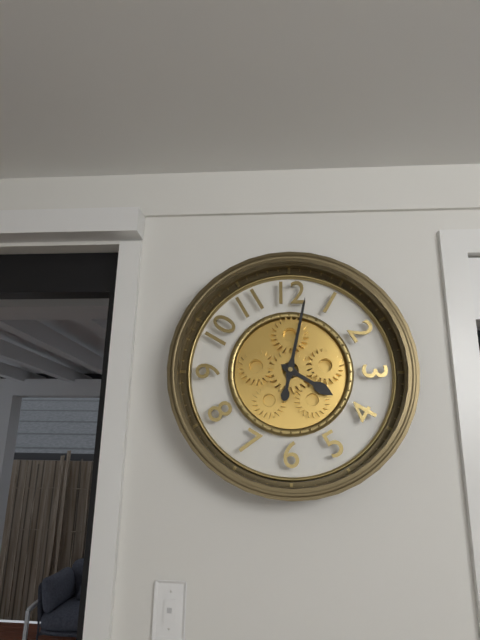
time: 4:02
